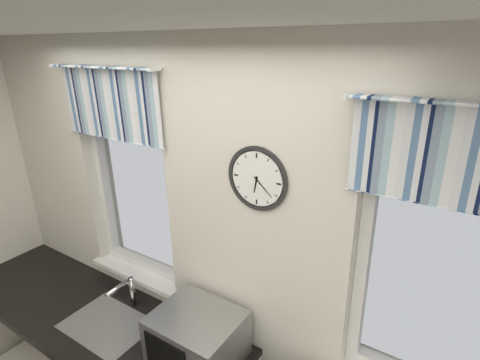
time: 6:22
